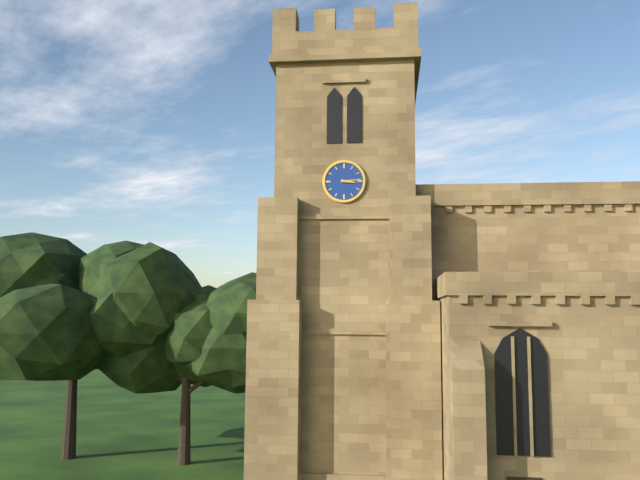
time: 3:14
